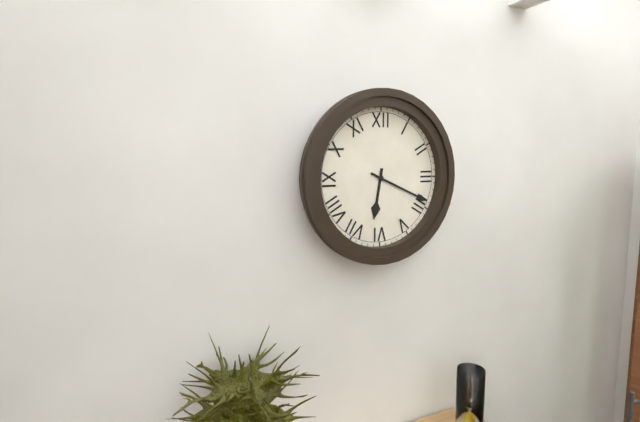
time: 6:19
